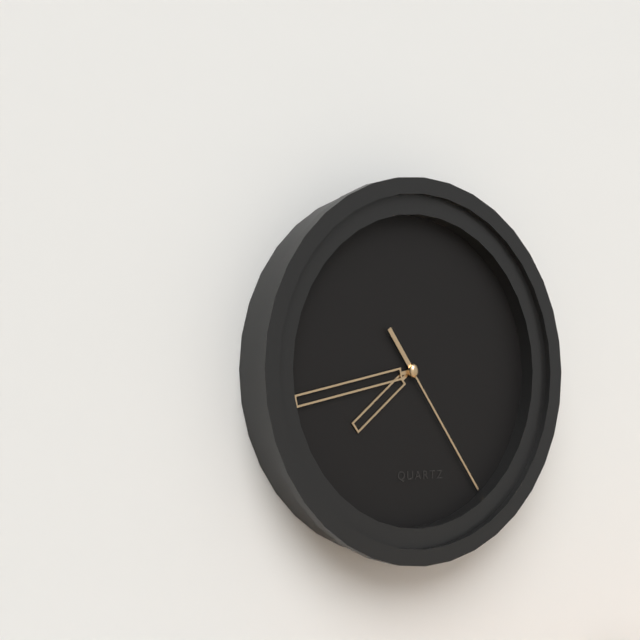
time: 7:43:24
